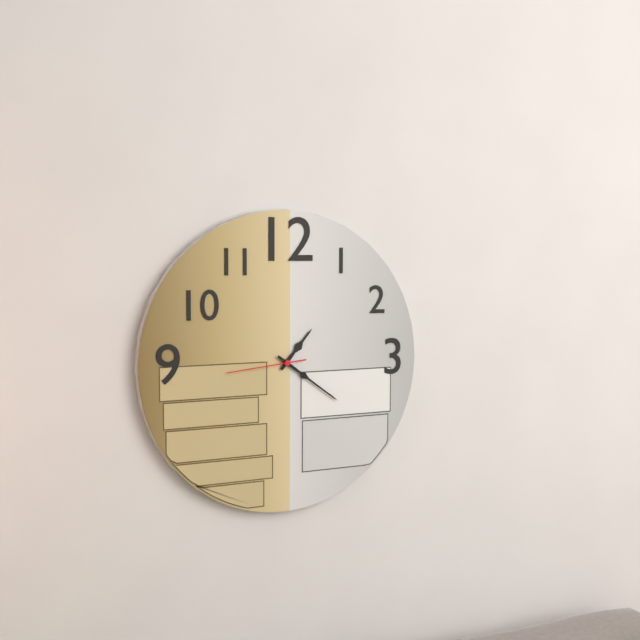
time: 1:21:44
